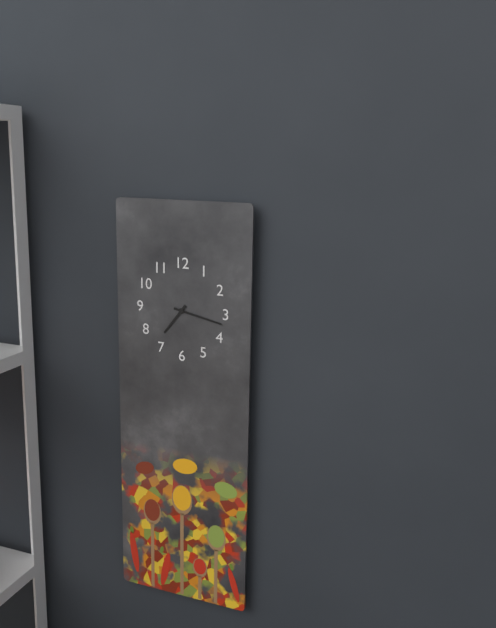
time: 7:17
